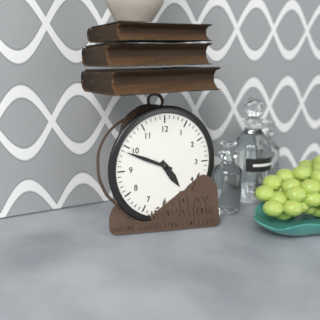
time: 4:49
